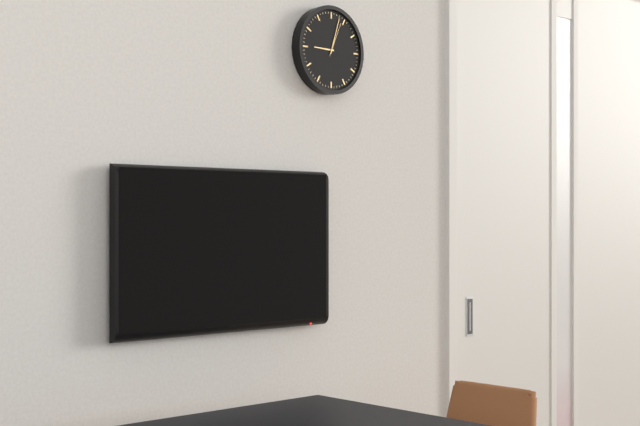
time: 9:03
